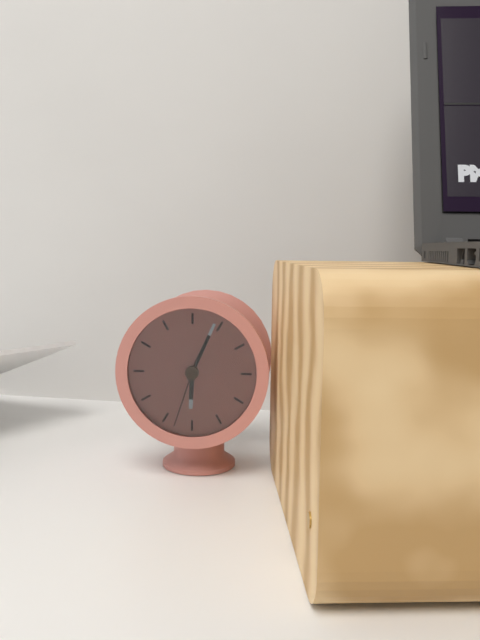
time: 6:04:33
